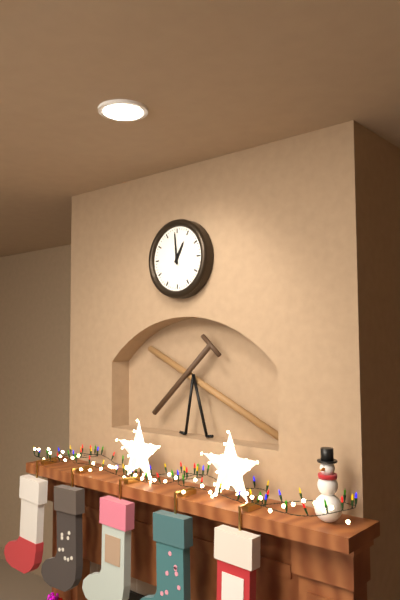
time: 12:59
